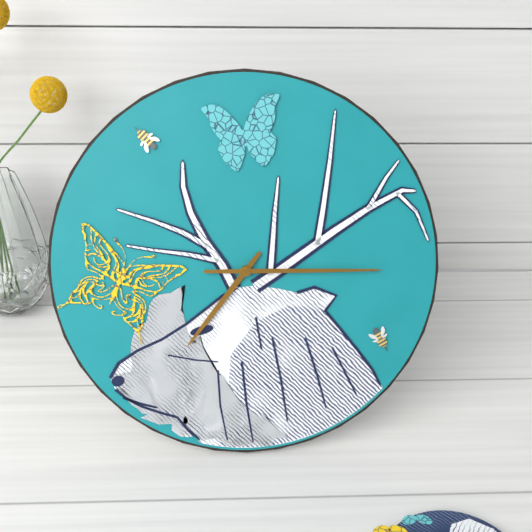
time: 7:15
